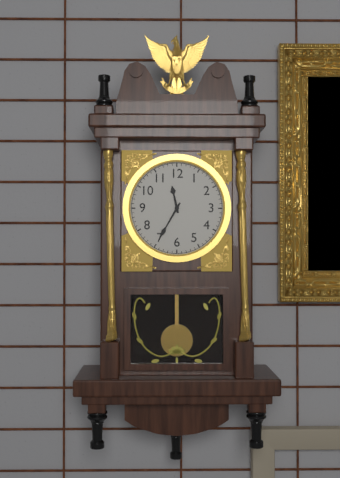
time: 11:35
